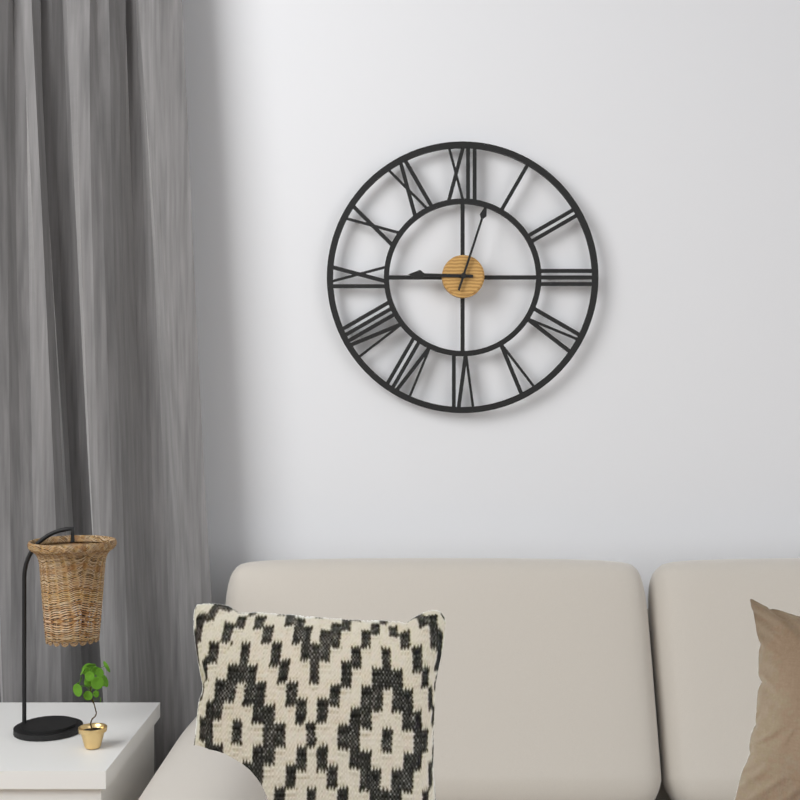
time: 9:03
